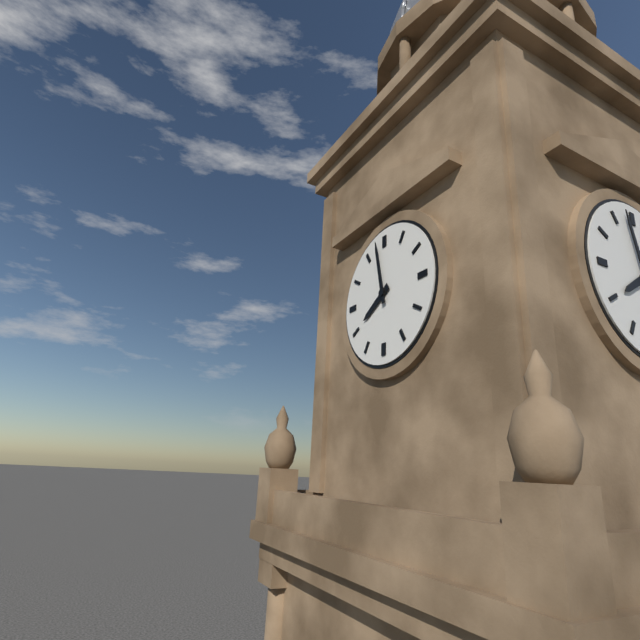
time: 7:58
